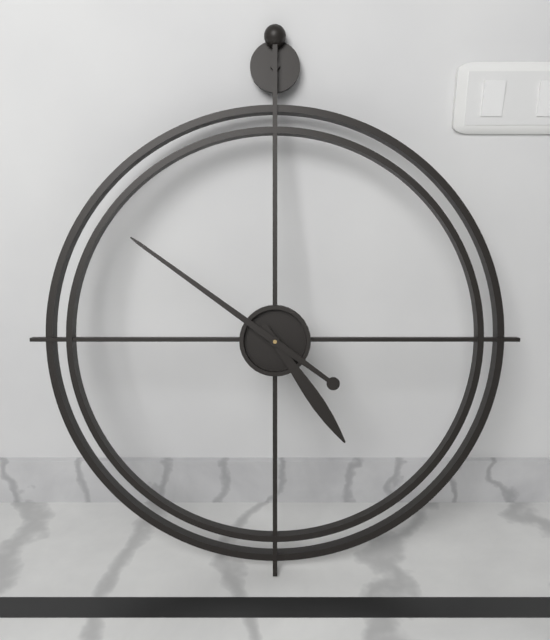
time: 4:51
